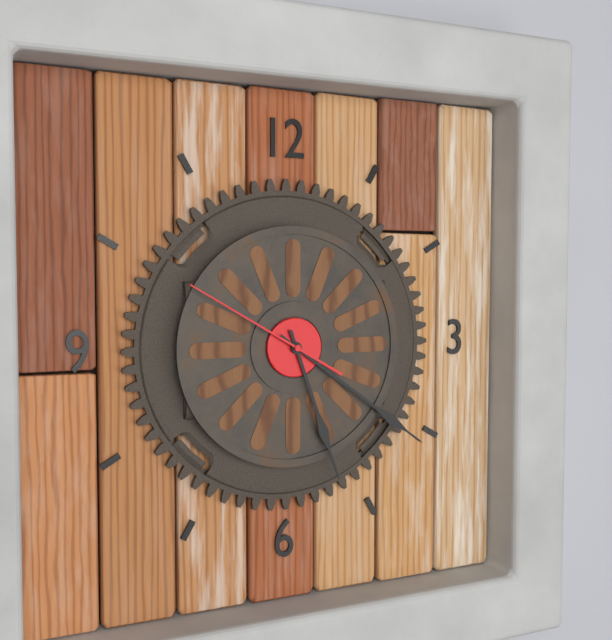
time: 5:21:50
